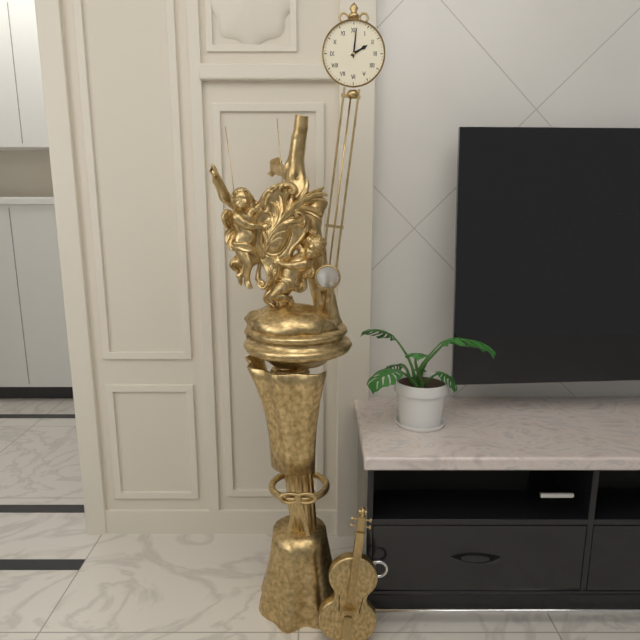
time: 2:01
